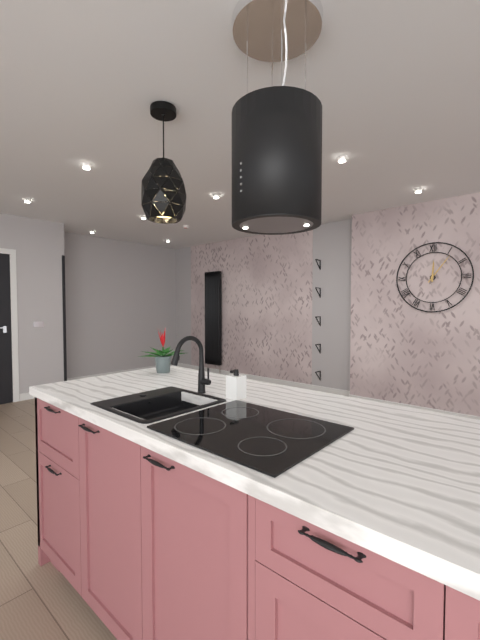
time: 12:06
